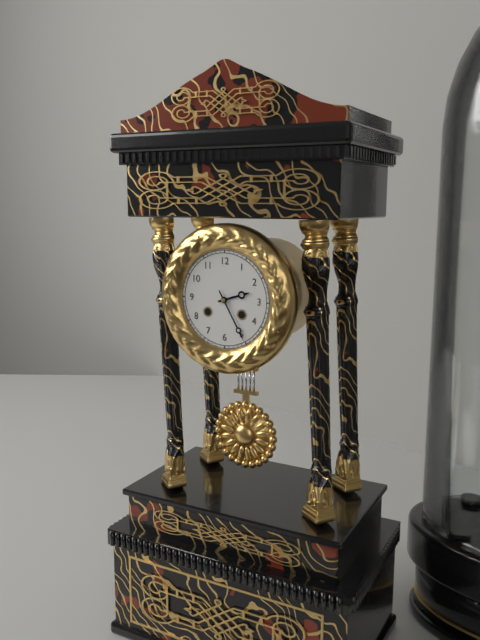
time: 2:25
